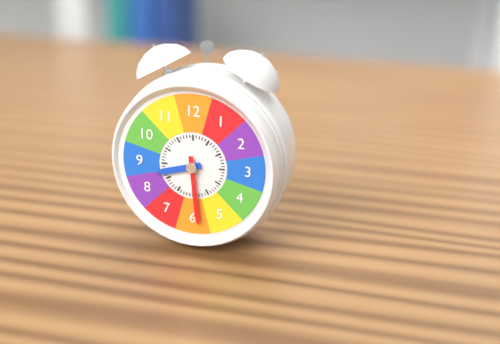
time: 8:29
